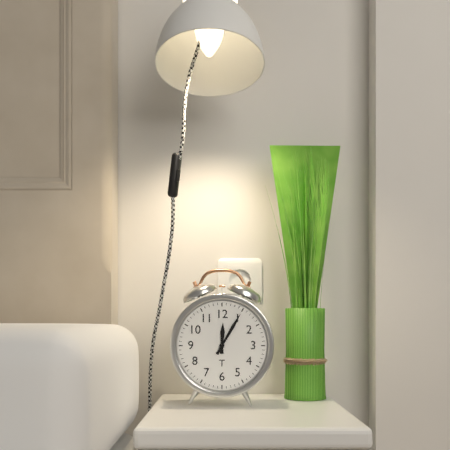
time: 12:05
